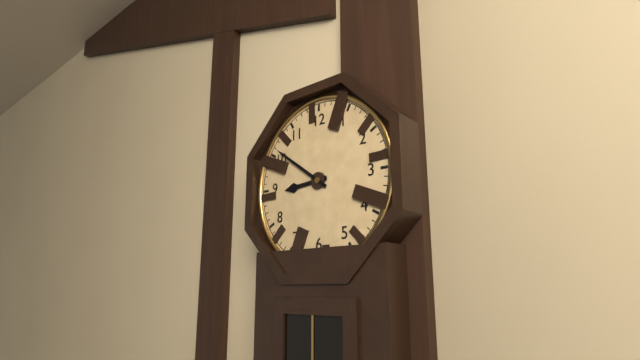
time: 8:51
